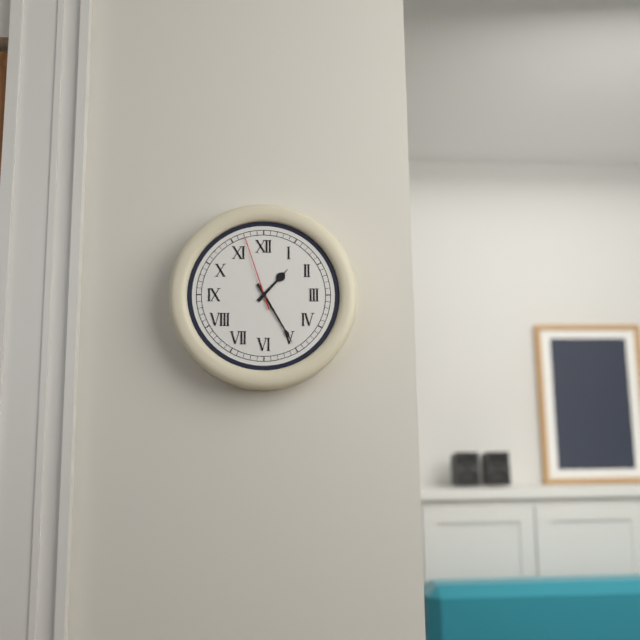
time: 1:25:57
